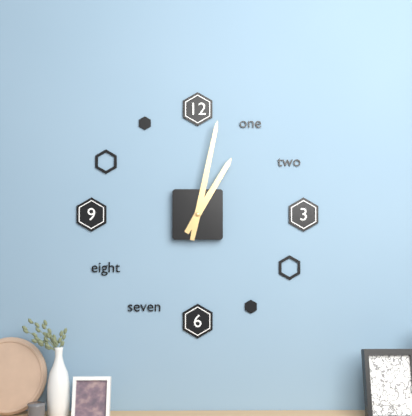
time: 1:02
